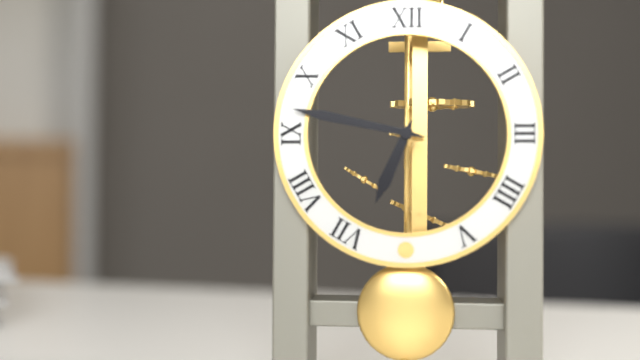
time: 6:47
